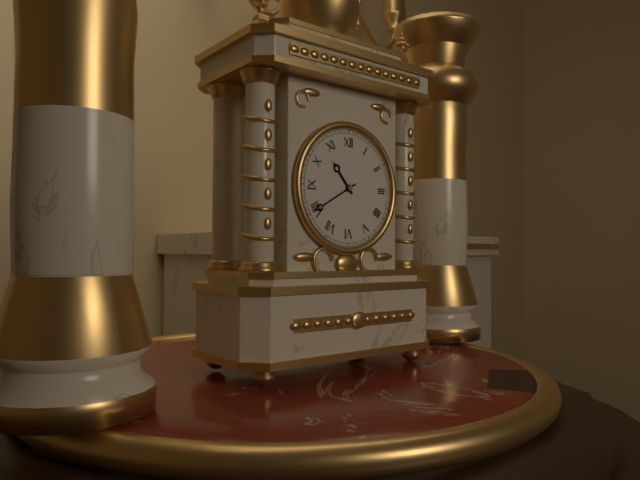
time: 10:40
